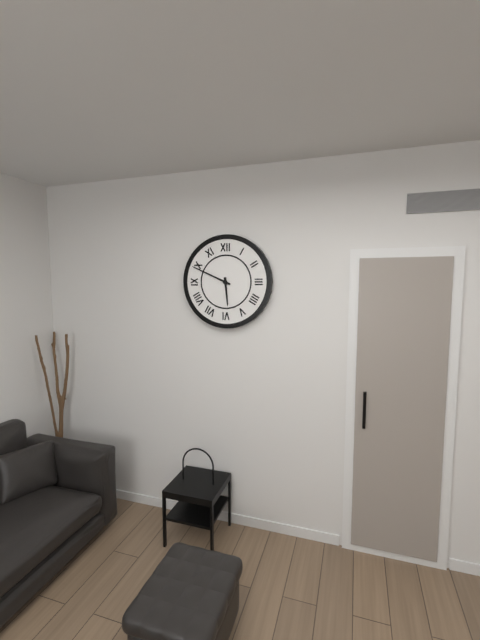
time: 5:49
